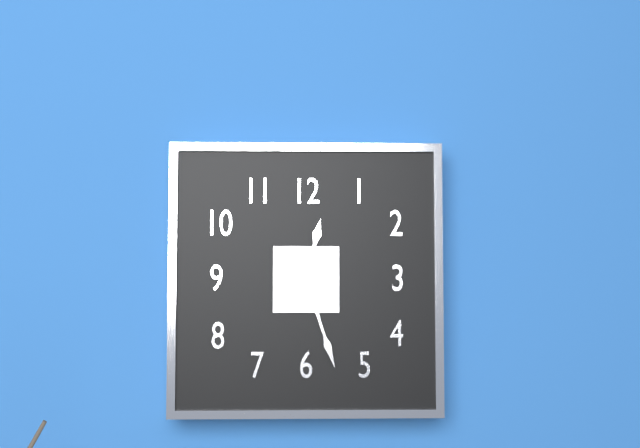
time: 12:27
